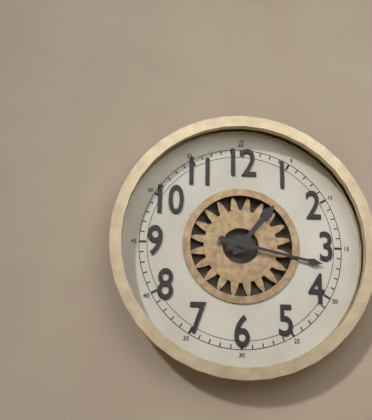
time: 1:17
